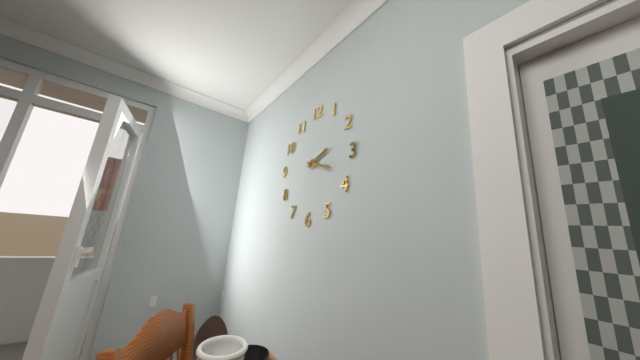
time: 2:18
